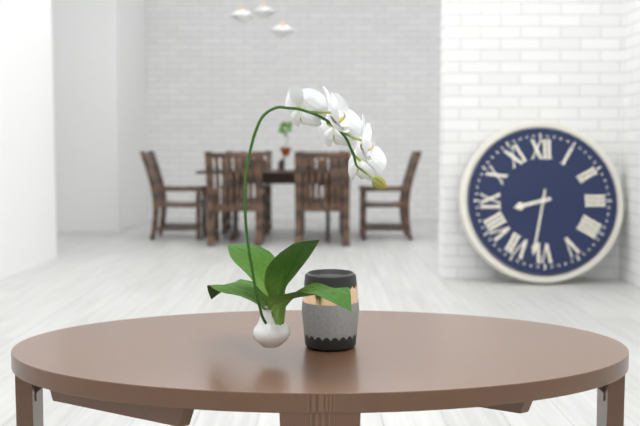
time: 8:32
